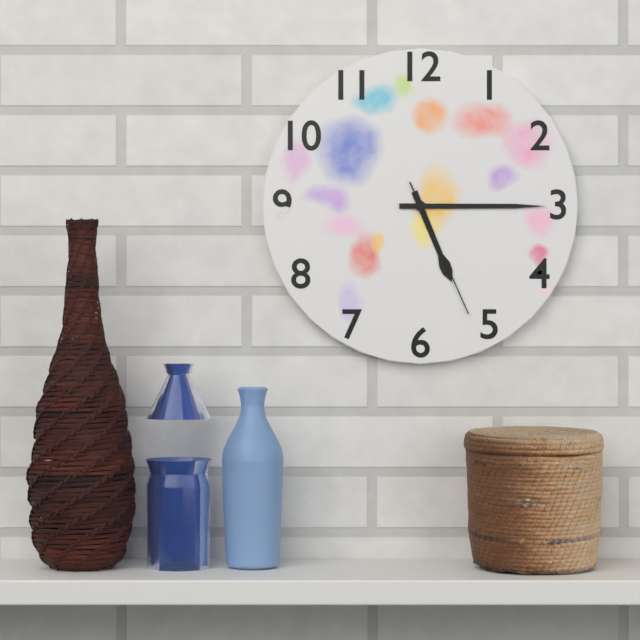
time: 5:15:26
